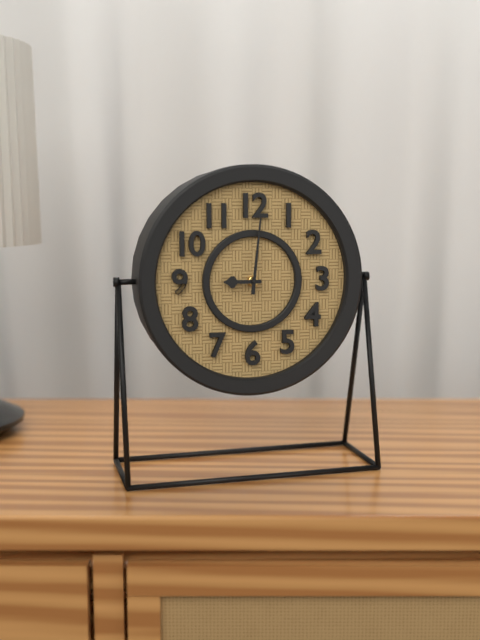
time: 9:01
